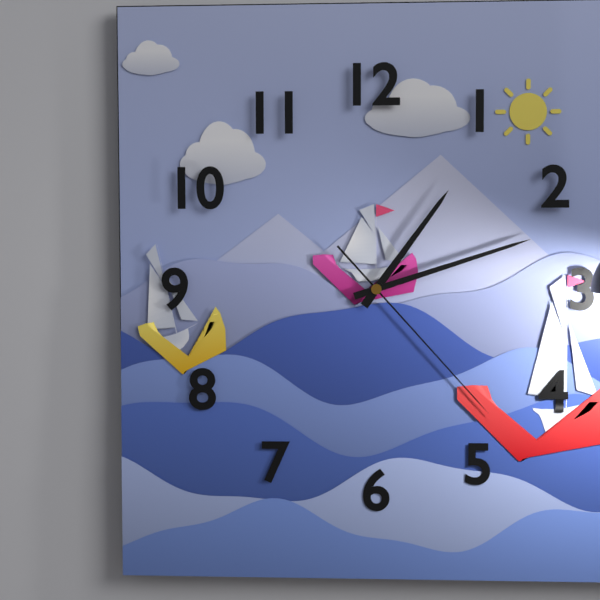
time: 1:12:23
